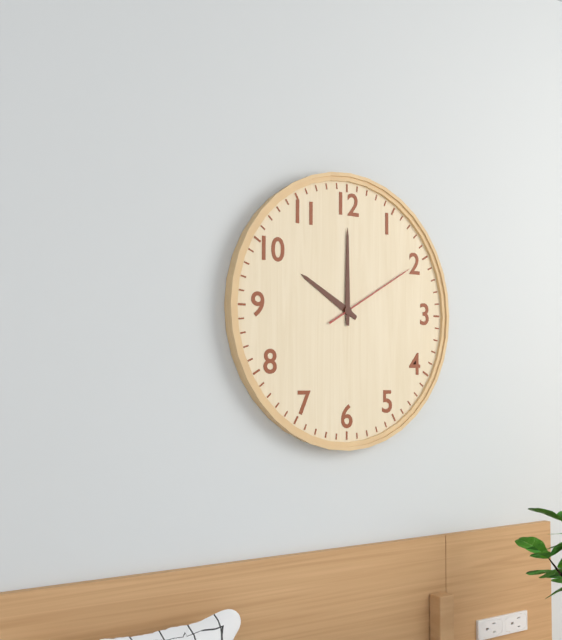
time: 10:00:10
